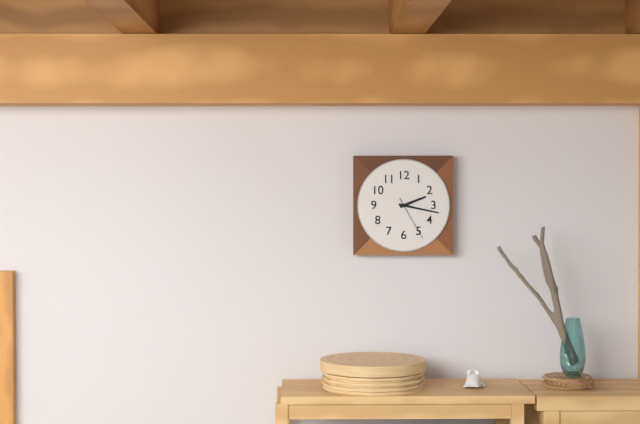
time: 2:17
